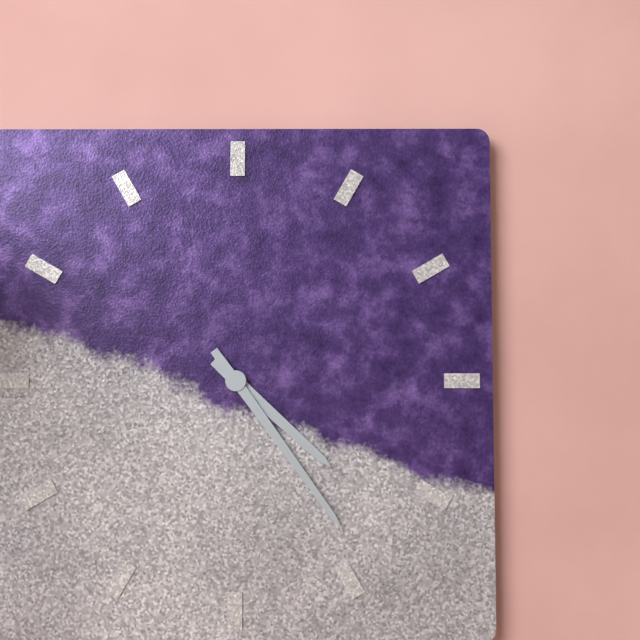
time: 4:24
